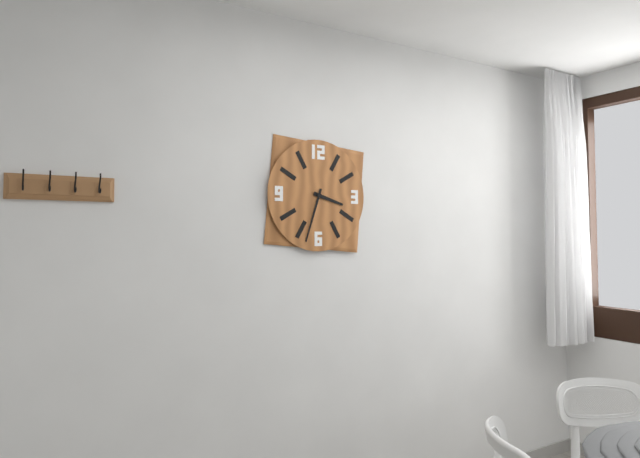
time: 3:33
